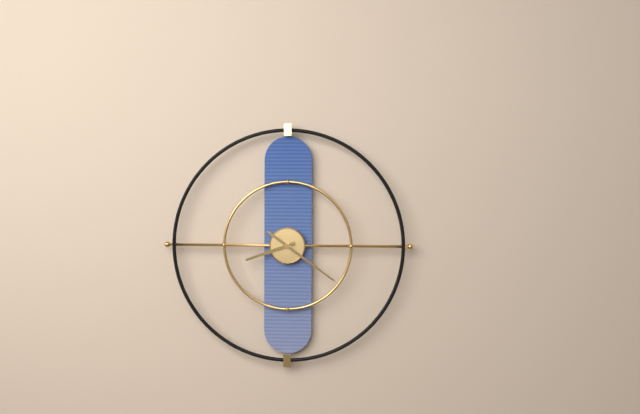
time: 8:21
